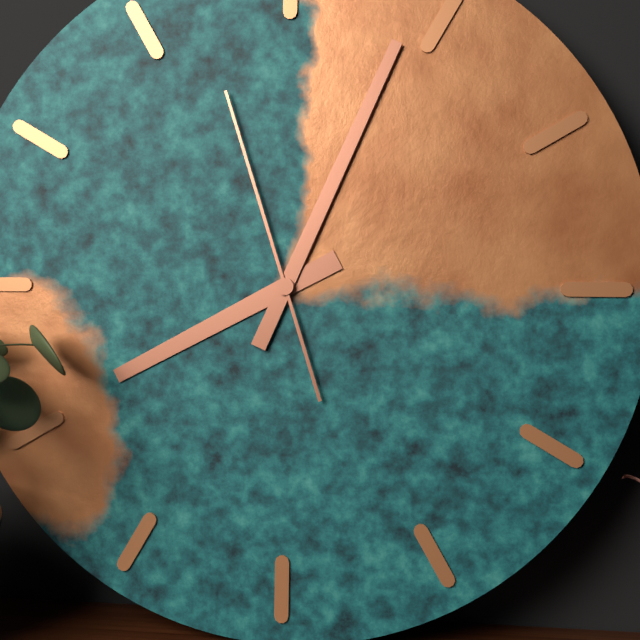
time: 8:04:57
